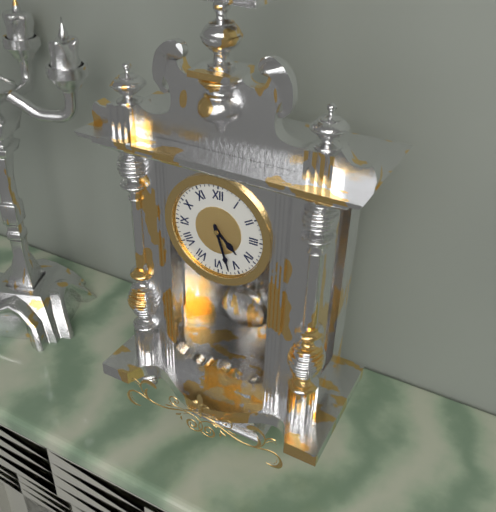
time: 4:27
